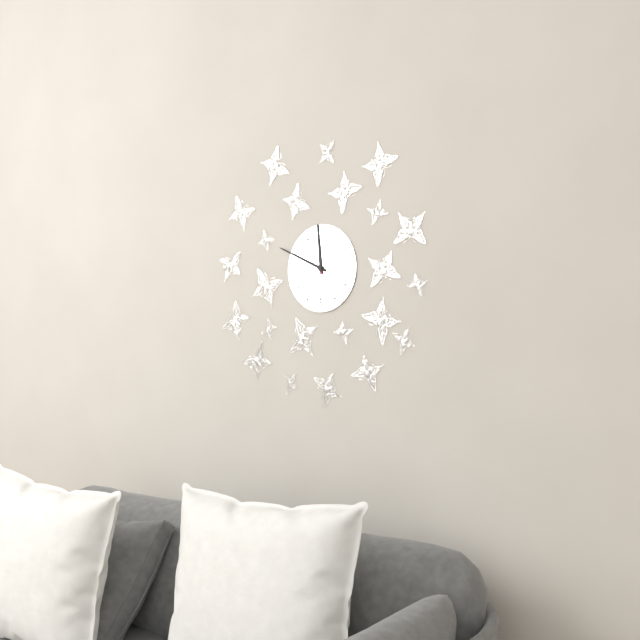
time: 11:49
